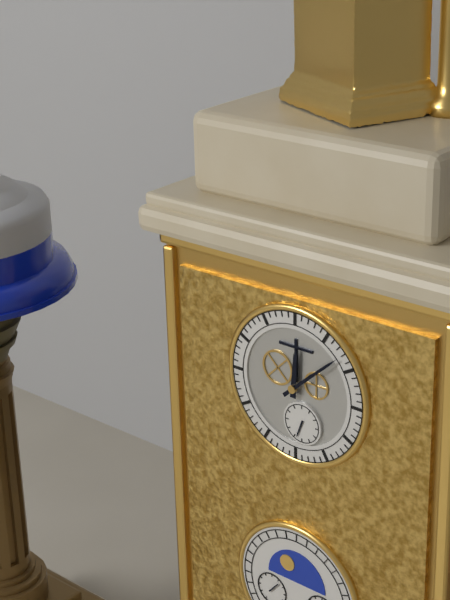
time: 12:08
